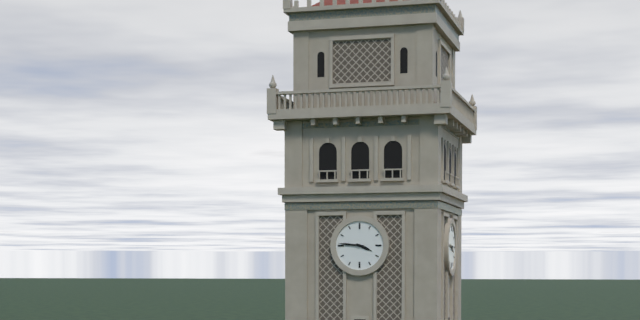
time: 3:46
